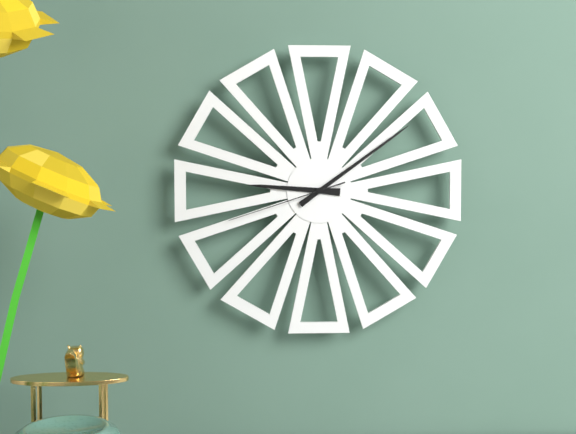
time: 9:09:42
